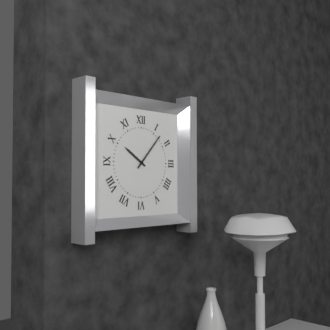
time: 10:07
